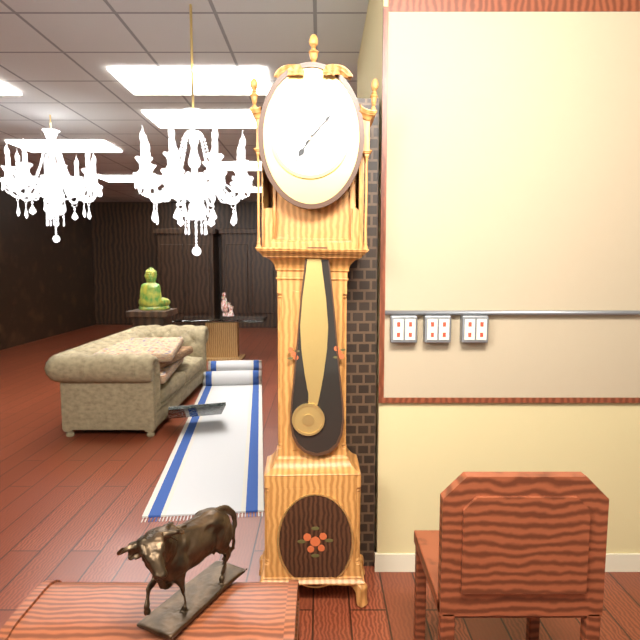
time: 7:07
